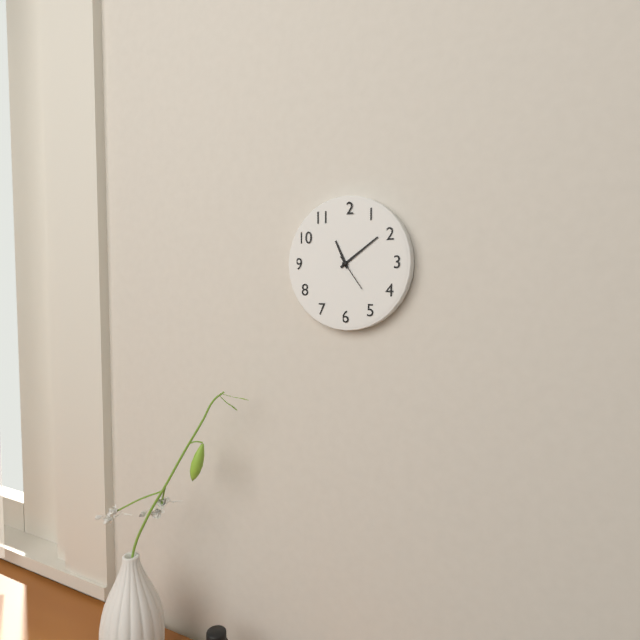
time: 11:09
